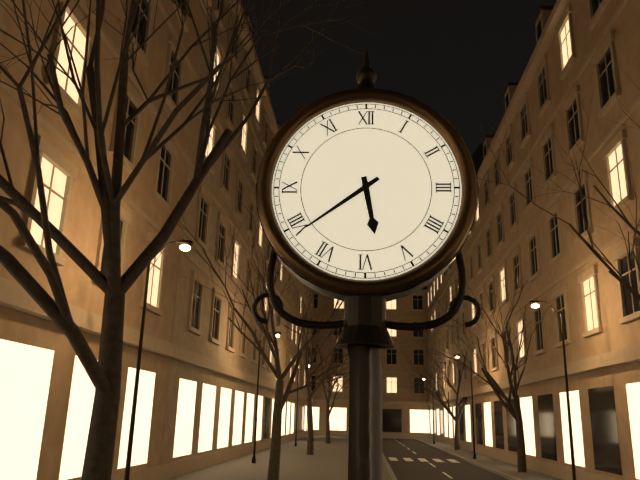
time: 5:39
